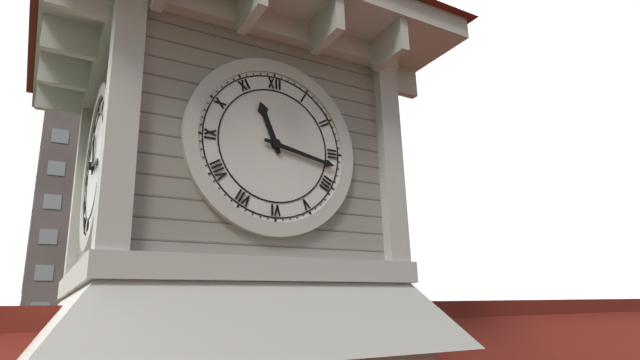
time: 11:17
